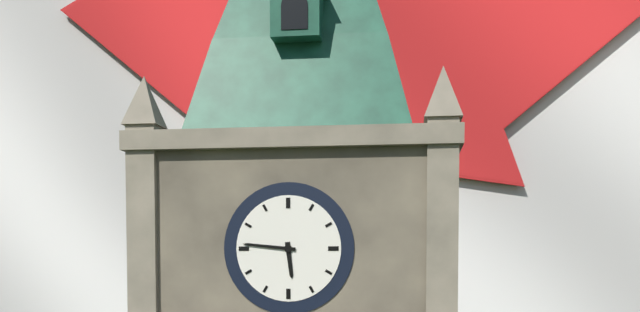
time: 5:46
